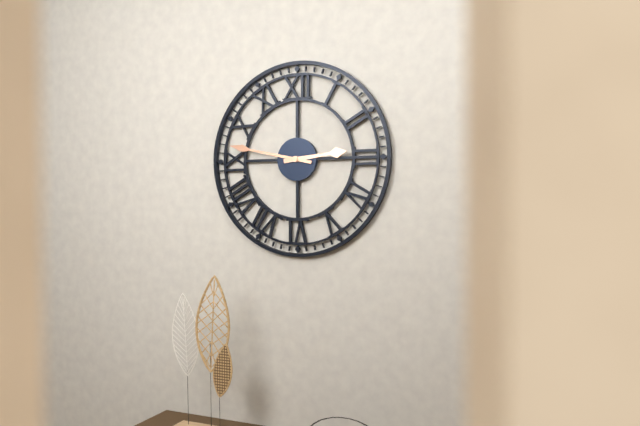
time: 2:47
